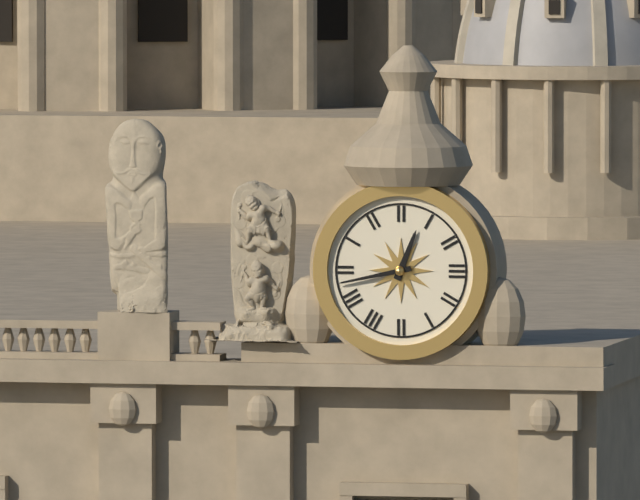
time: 12:43
